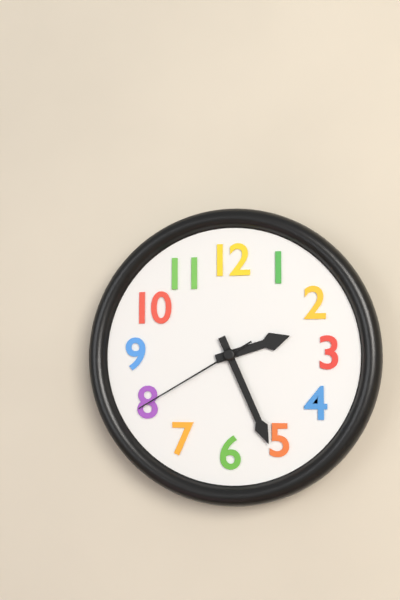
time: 2:26:40
